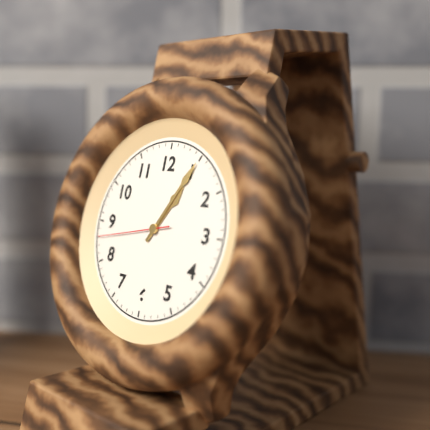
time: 1:05:43
